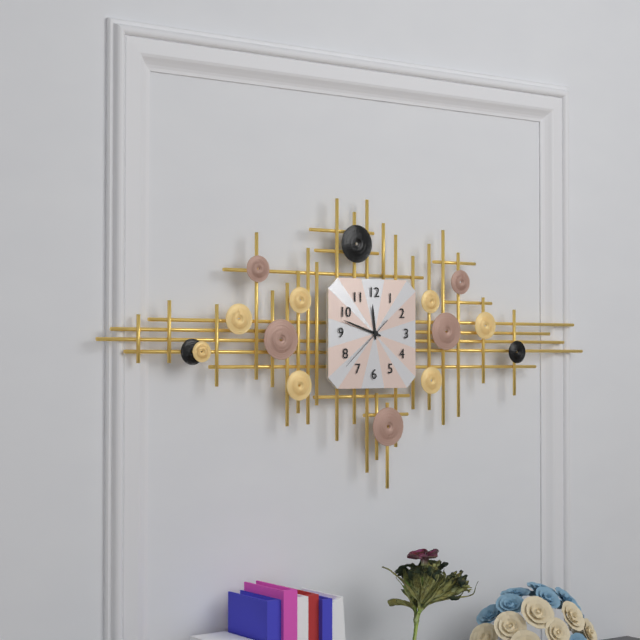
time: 11:48:38
